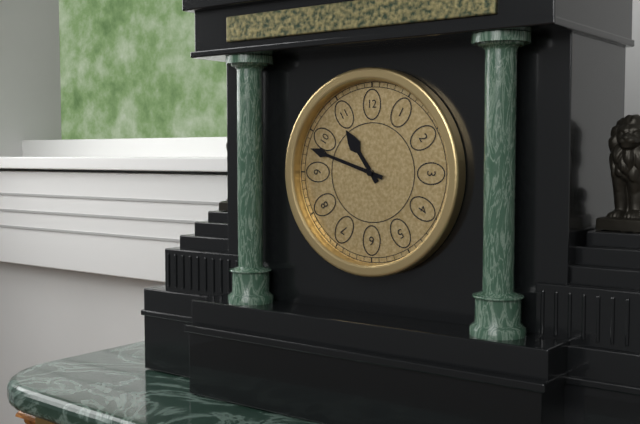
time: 10:48
